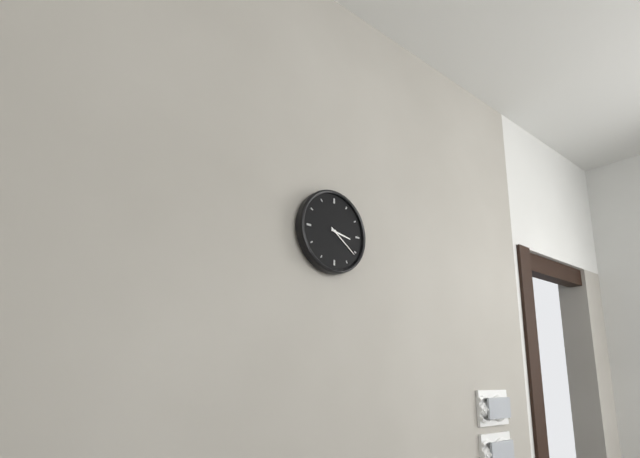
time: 3:21
